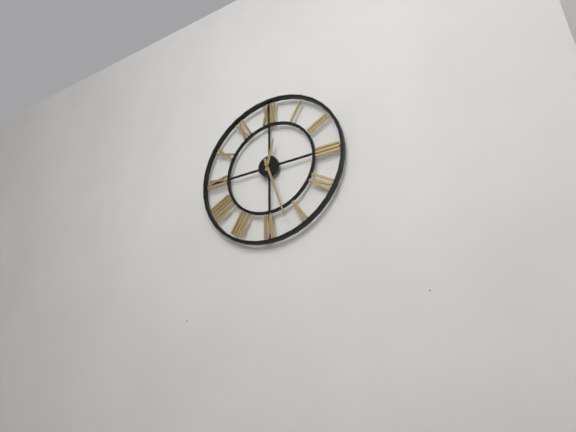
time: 12:27
